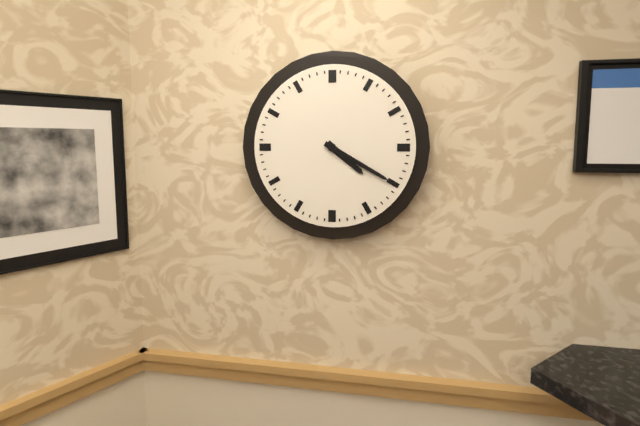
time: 4:20
